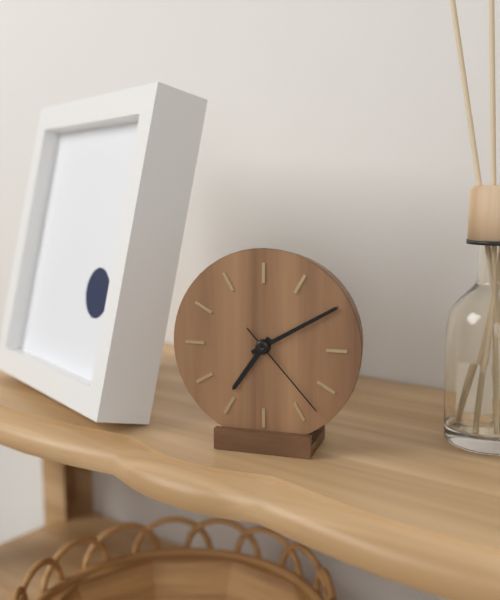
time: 7:10:23
